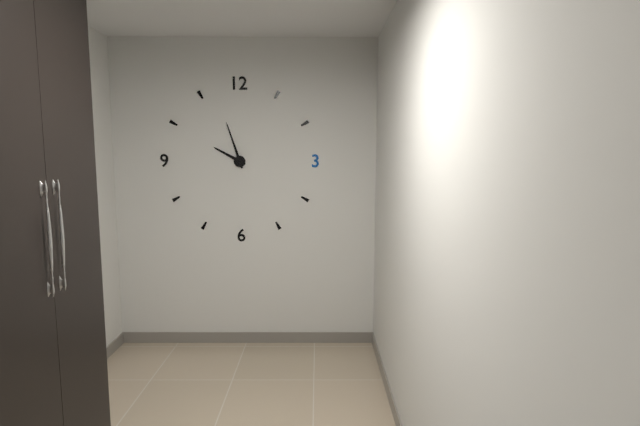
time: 9:57
